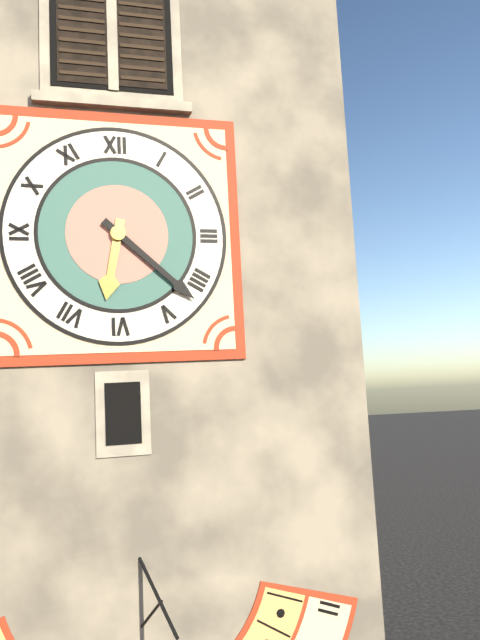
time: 6:22
